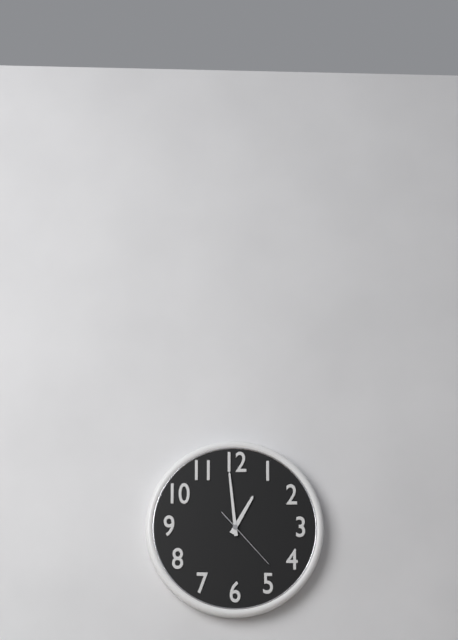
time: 12:59:23
